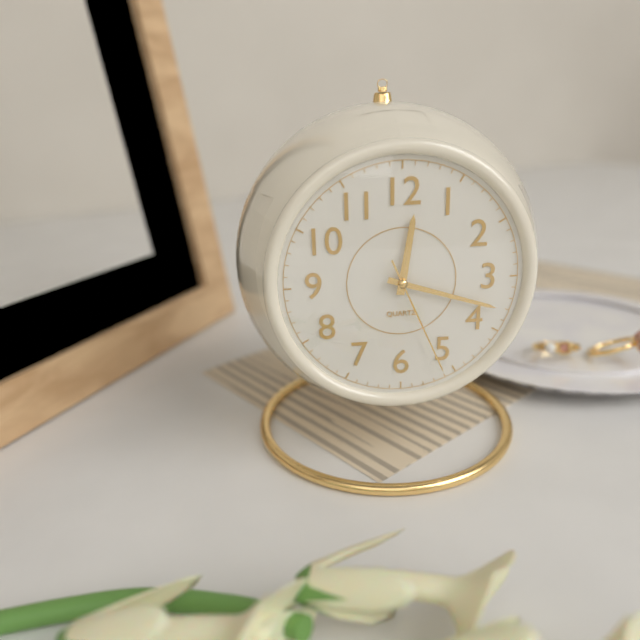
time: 12:18:26
